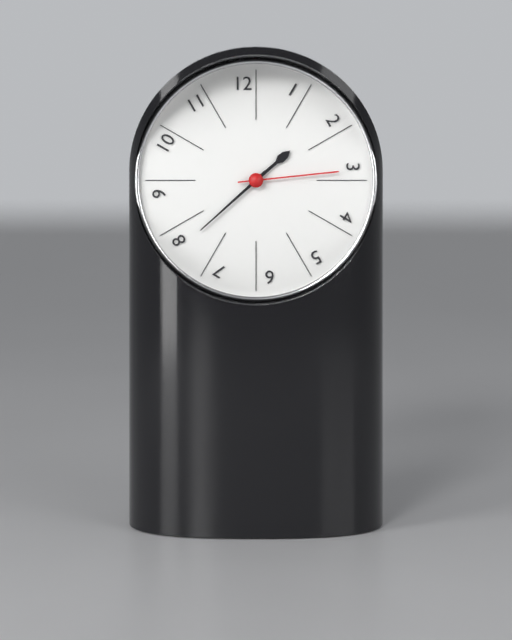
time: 1:38:14
